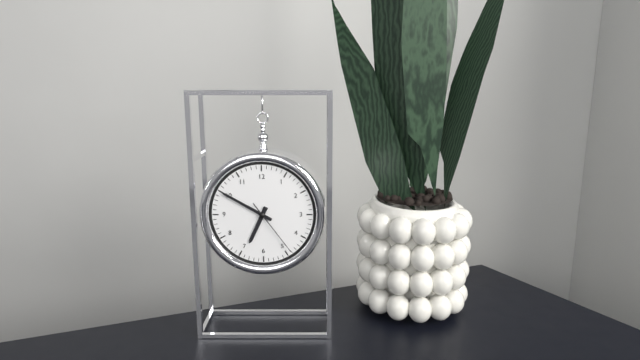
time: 6:50:24
